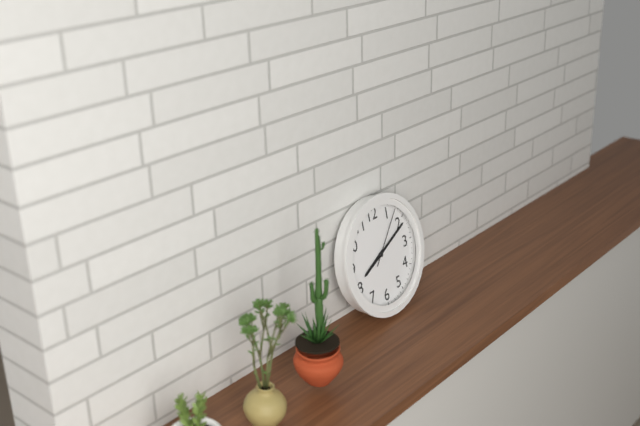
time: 8:11:07
